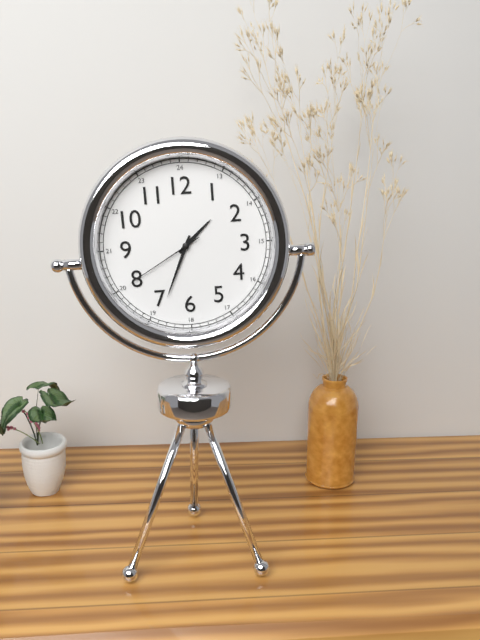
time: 1:34:40
